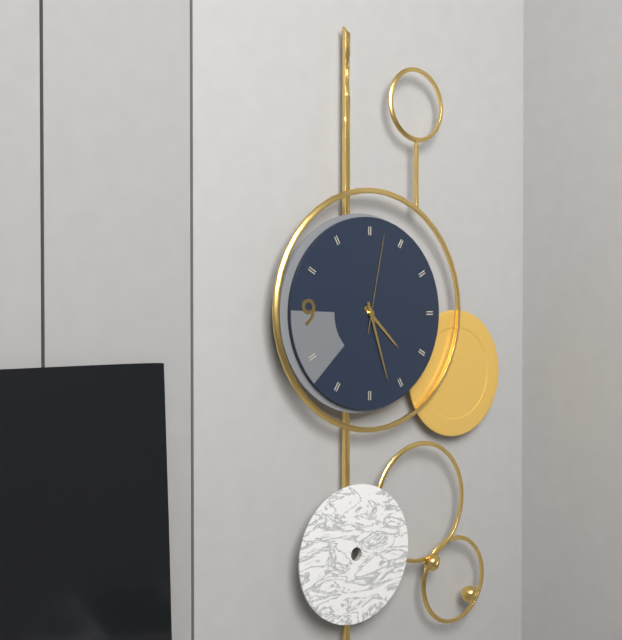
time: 4:27:02
